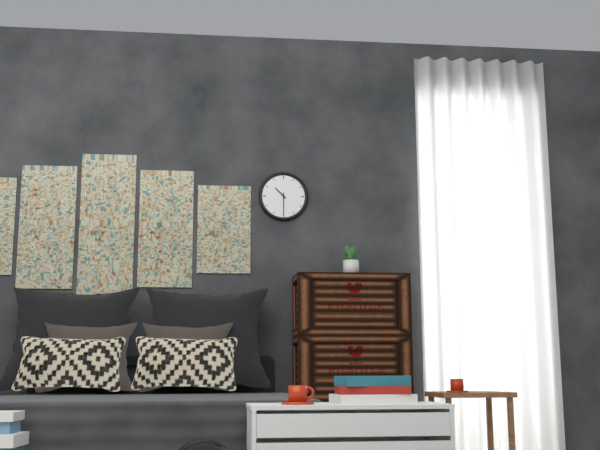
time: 10:30
